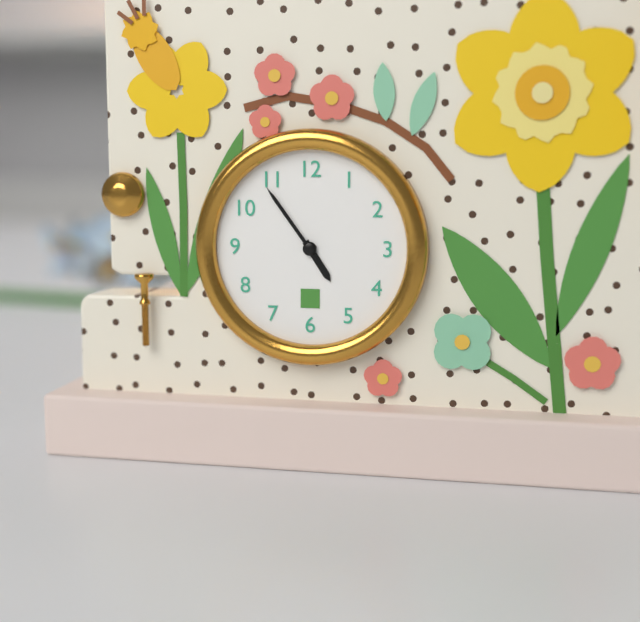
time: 4:54
